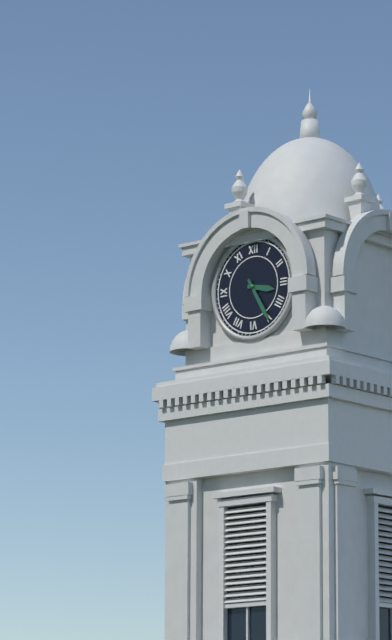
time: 3:25
